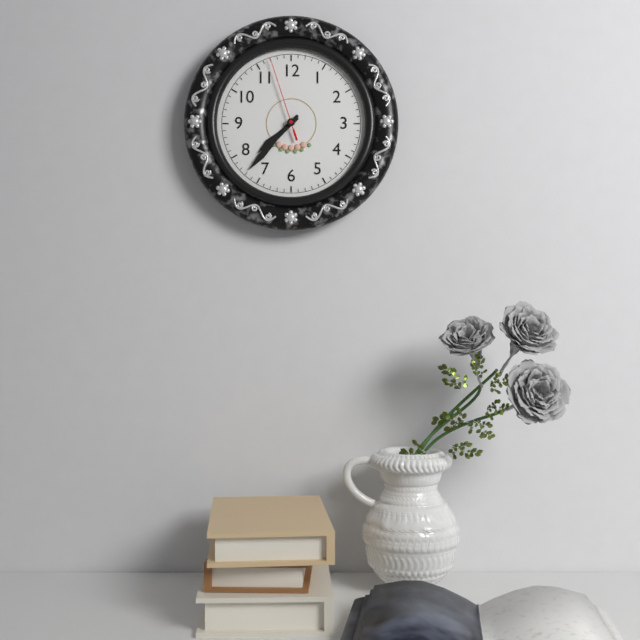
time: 7:37:57
